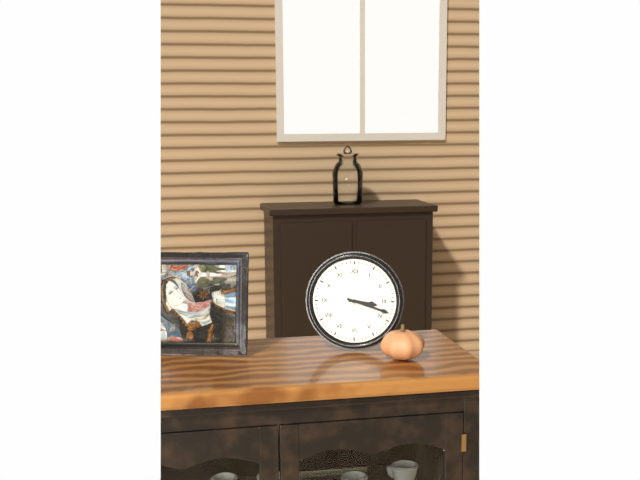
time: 3:18
